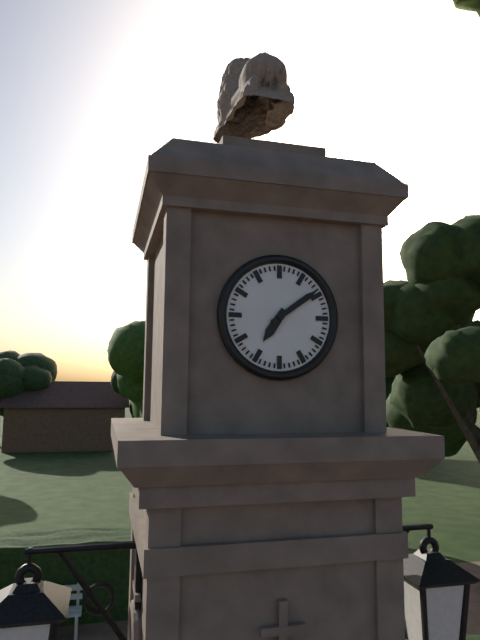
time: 7:09
